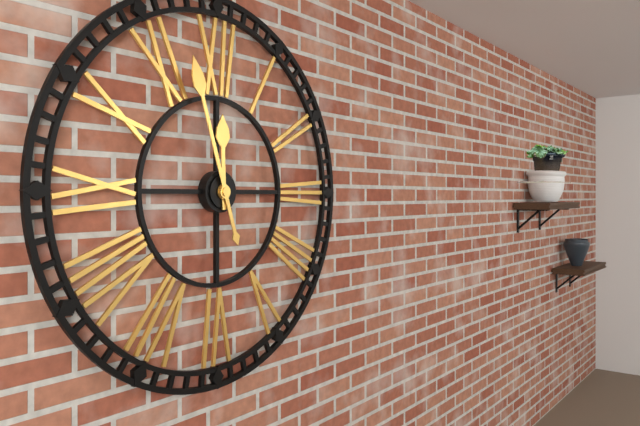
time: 11:57
